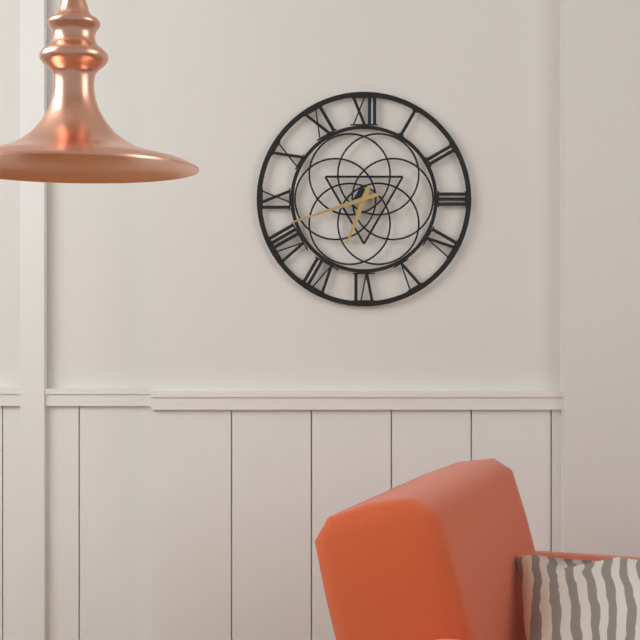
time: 6:42
